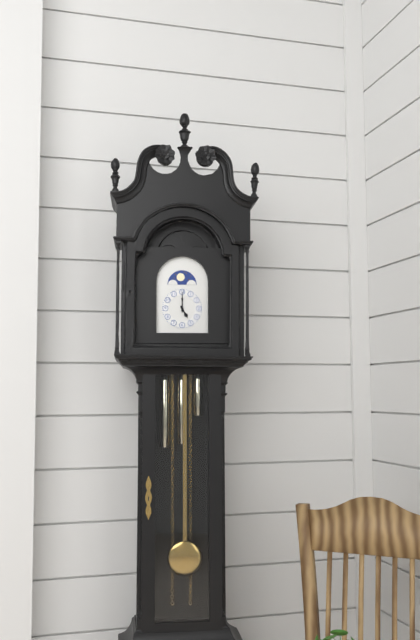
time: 5:00
